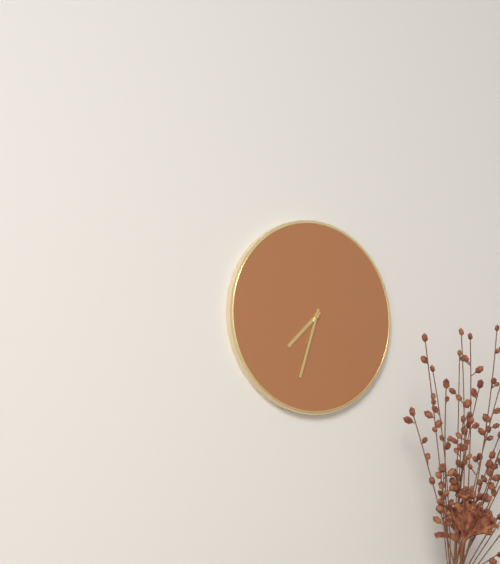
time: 7:33
